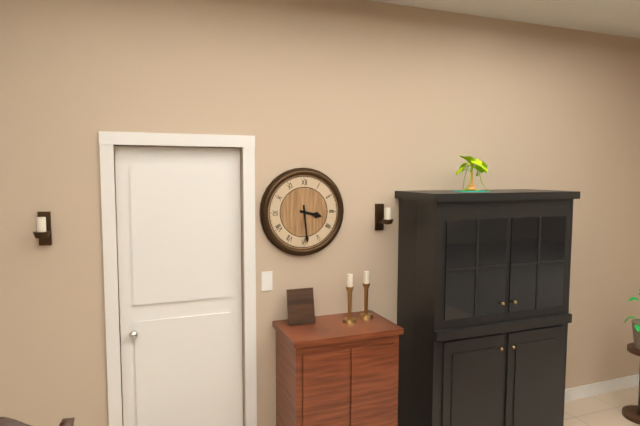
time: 3:29
